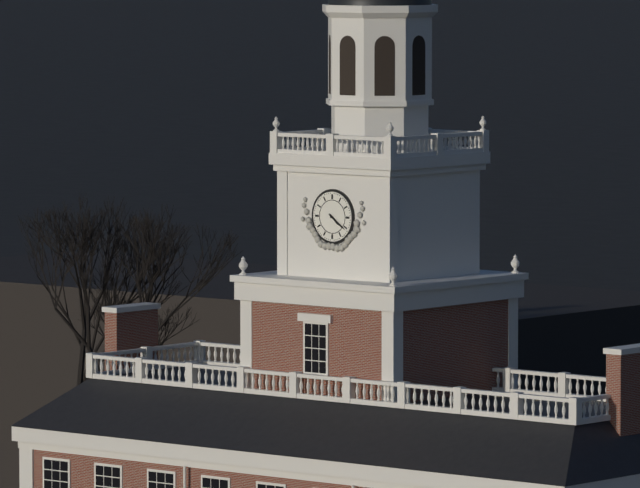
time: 4:21
